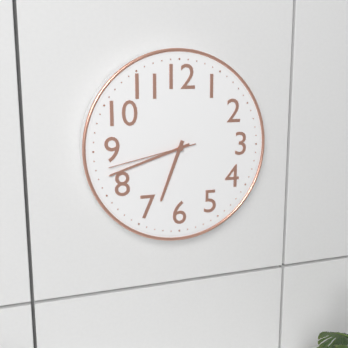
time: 6:42:43
